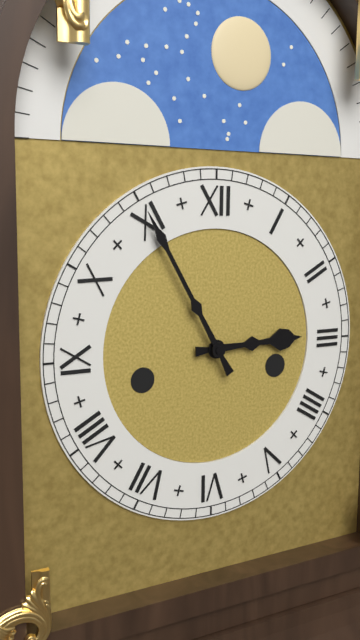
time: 2:55
